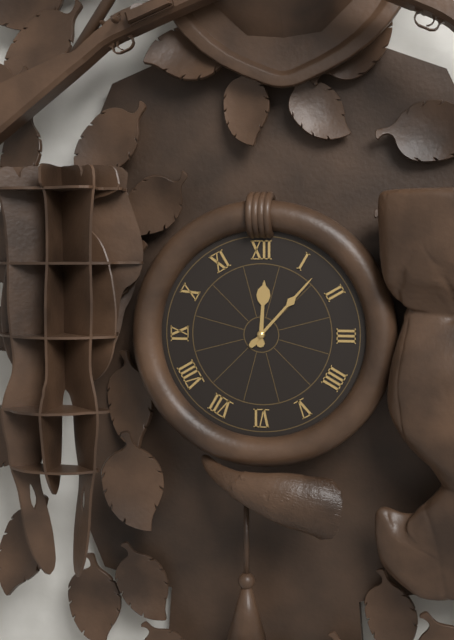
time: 12:07
